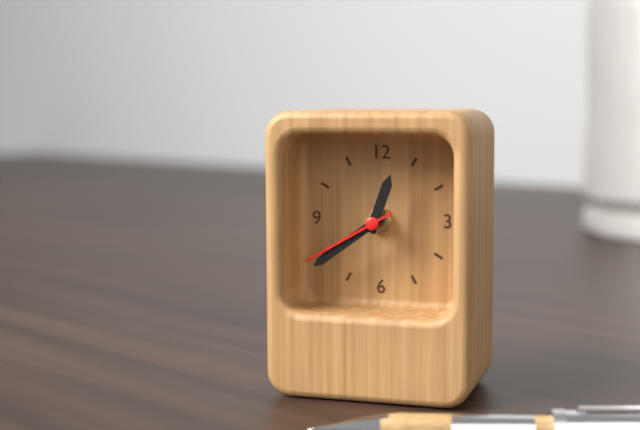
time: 12:39:40
